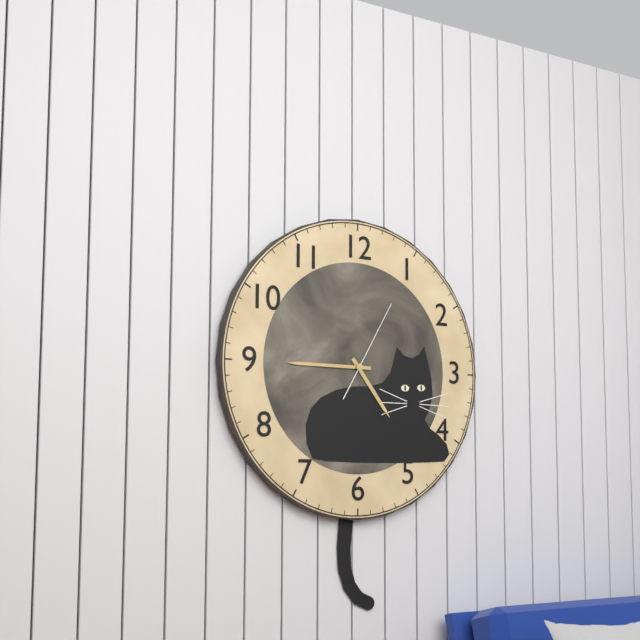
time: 4:45:05
